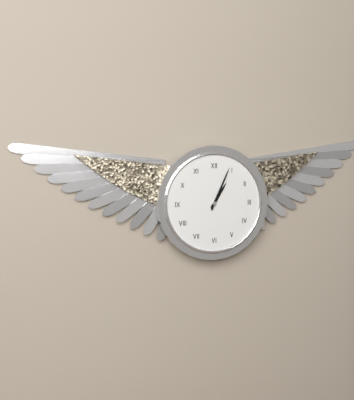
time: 1:04
